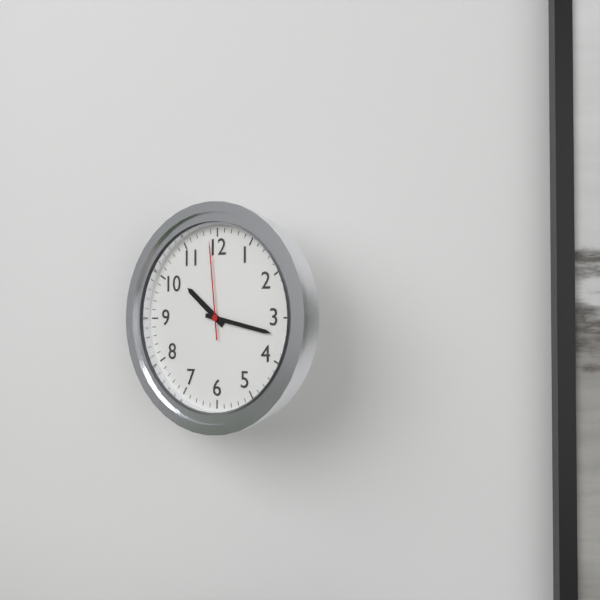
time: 10:17:59
